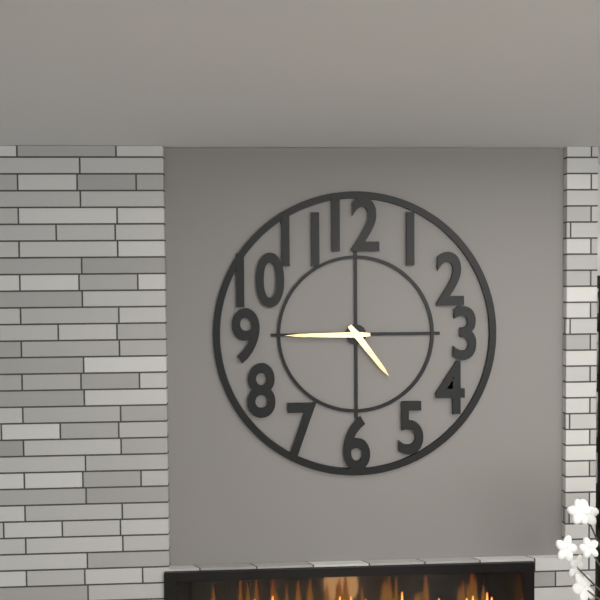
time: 4:45
